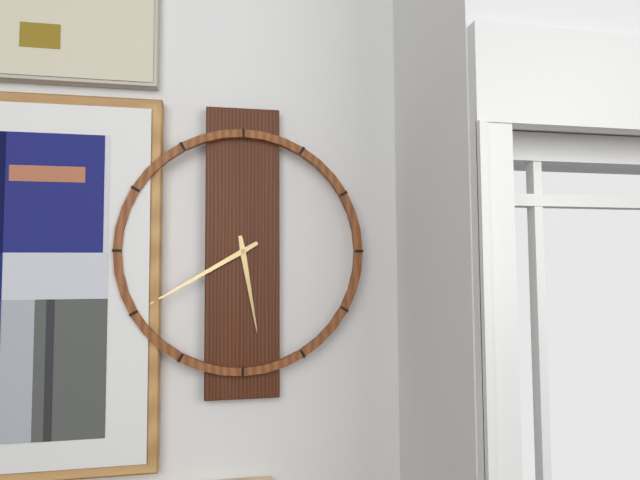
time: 5:40
